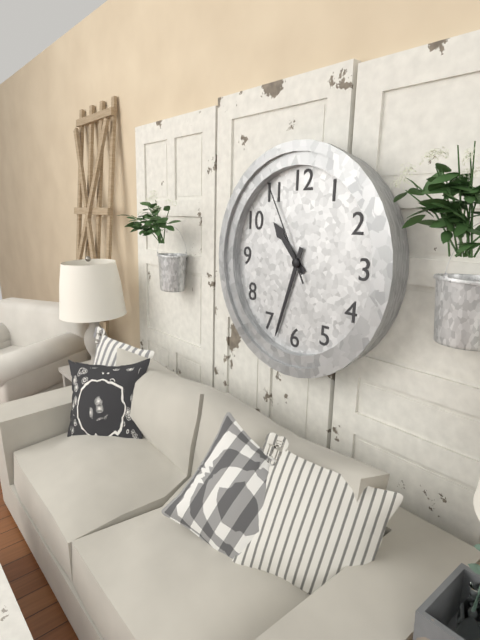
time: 10:33:55
